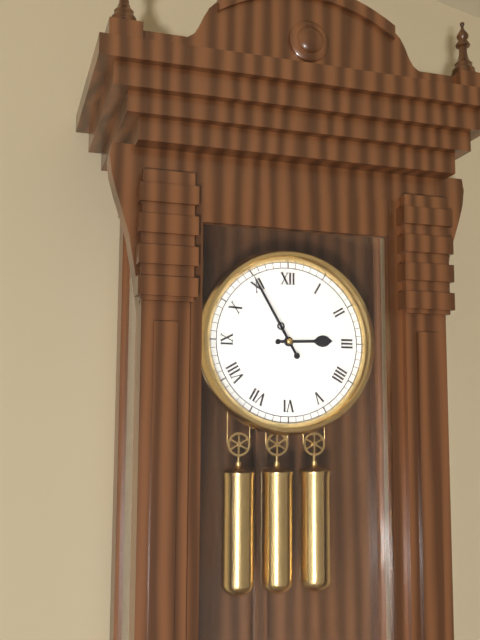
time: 2:55
